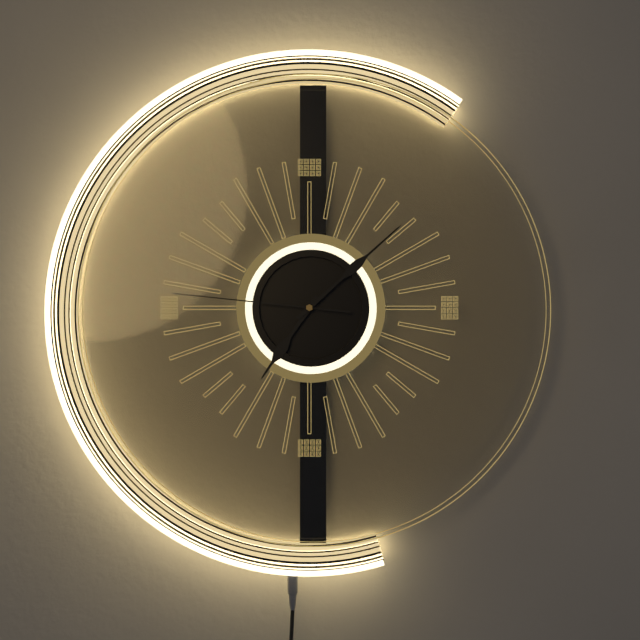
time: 7:08:46
